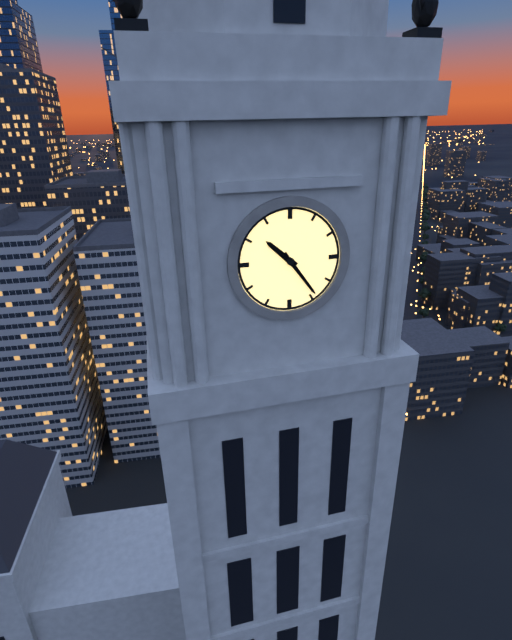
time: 10:24
